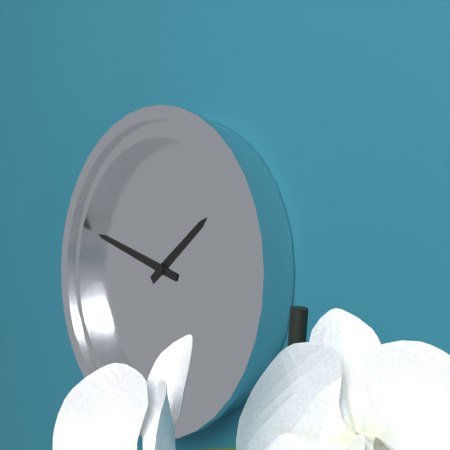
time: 1:48
